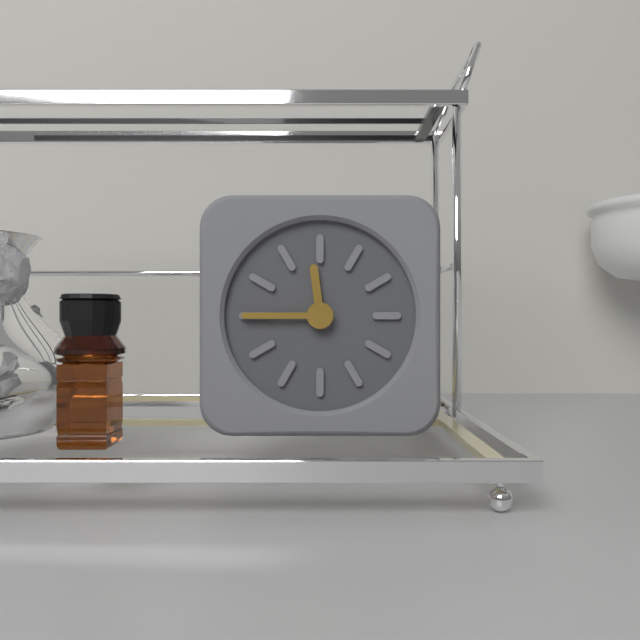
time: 11:45
